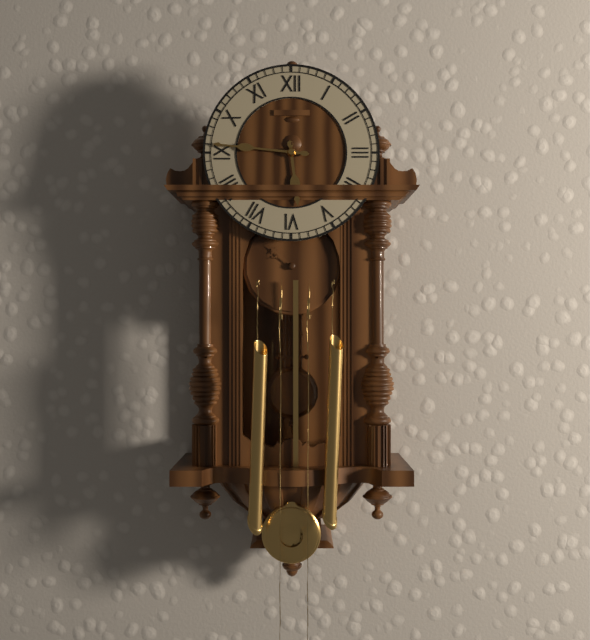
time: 5:46
